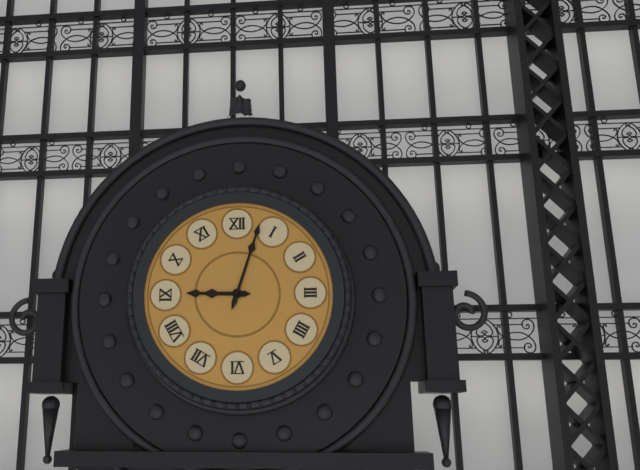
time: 9:03
